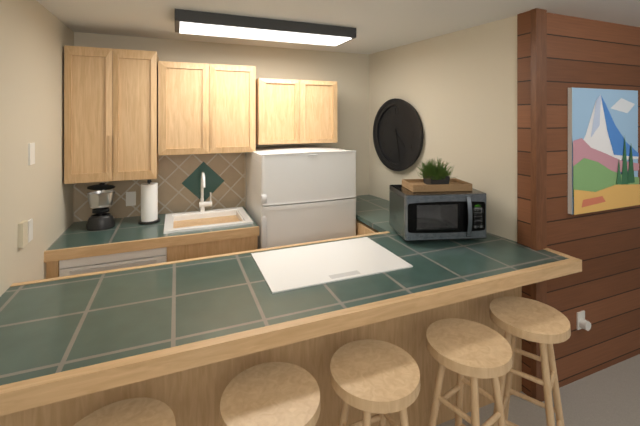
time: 4:28
